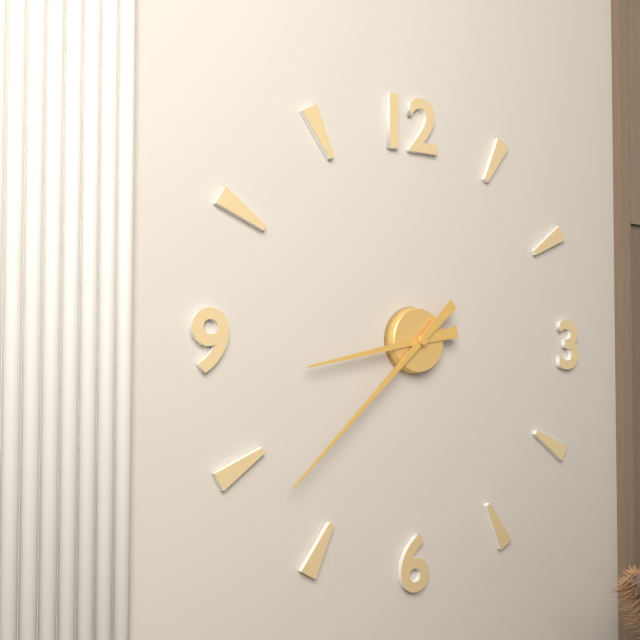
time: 8:38
